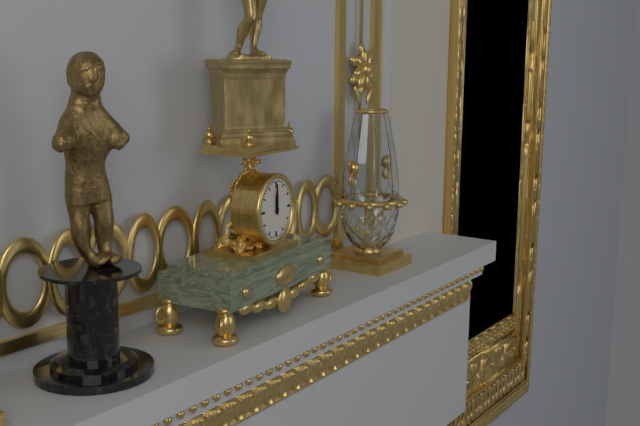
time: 12:00
